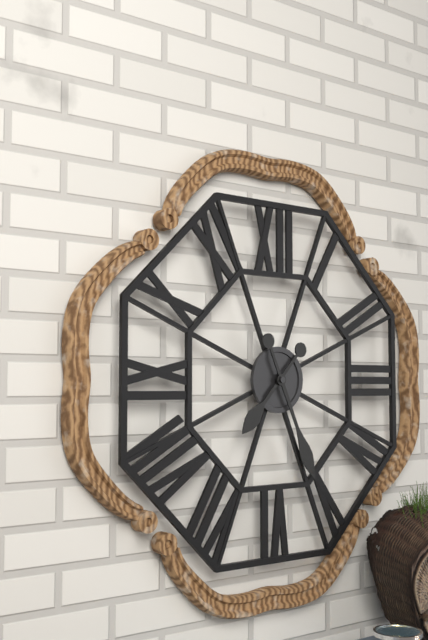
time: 7:26
